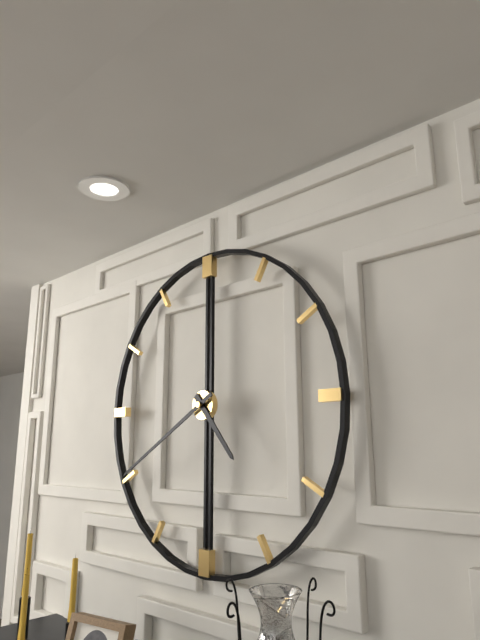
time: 4:40
